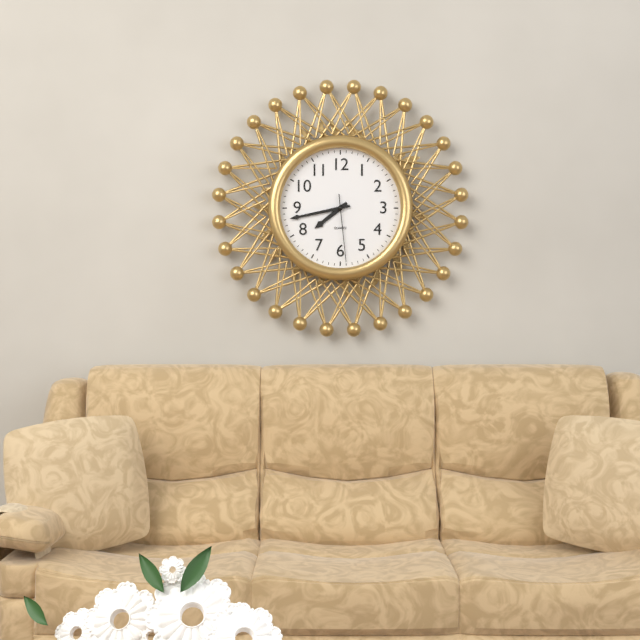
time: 7:43:29
